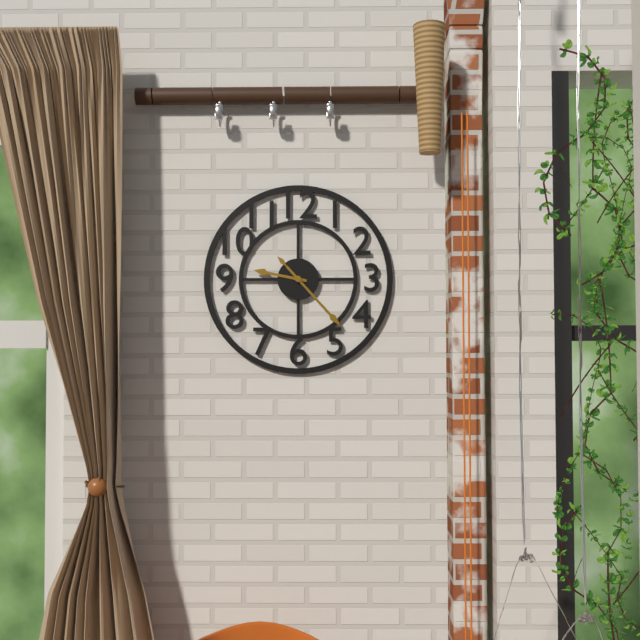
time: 9:23
